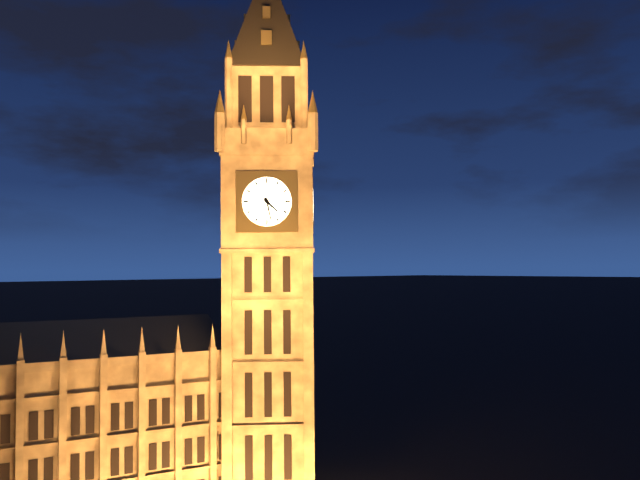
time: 4:28
